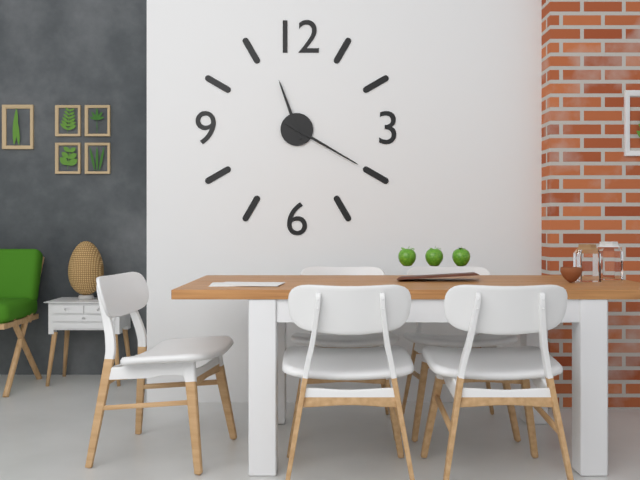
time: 11:20
